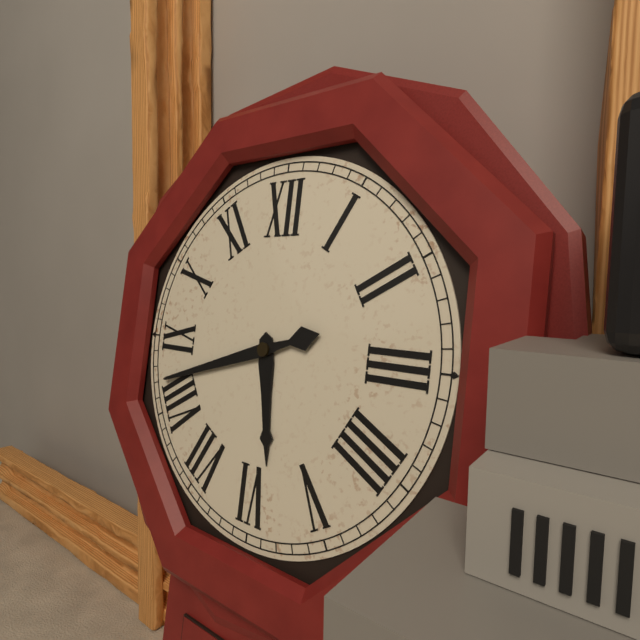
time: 5:42
